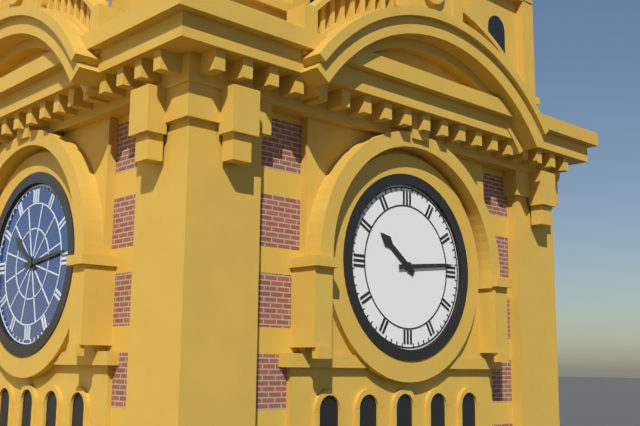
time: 10:14
